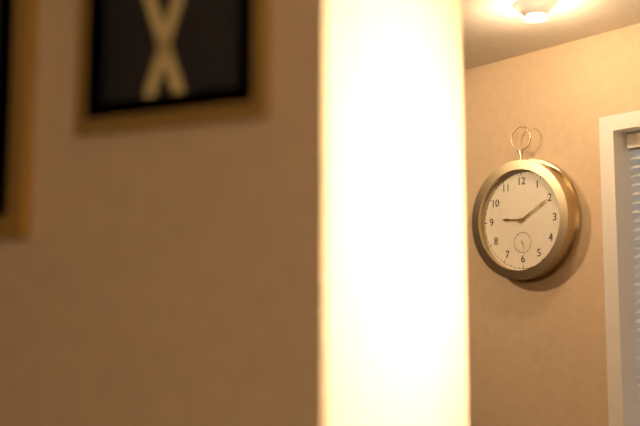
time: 9:10
